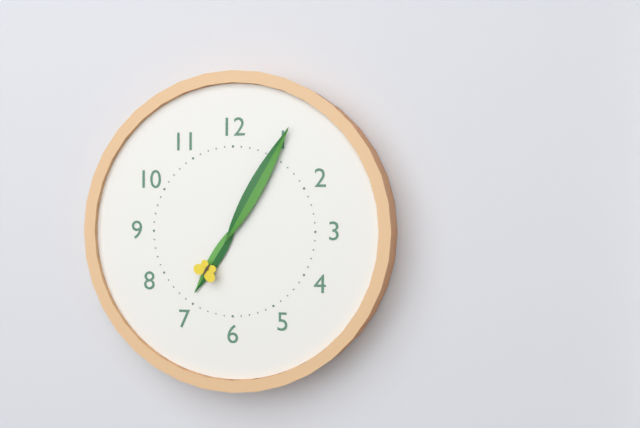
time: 7:05
